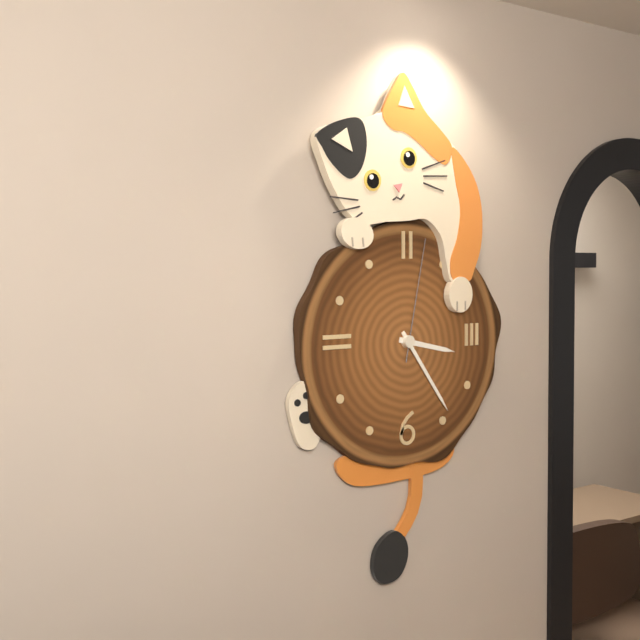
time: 3:24:02
